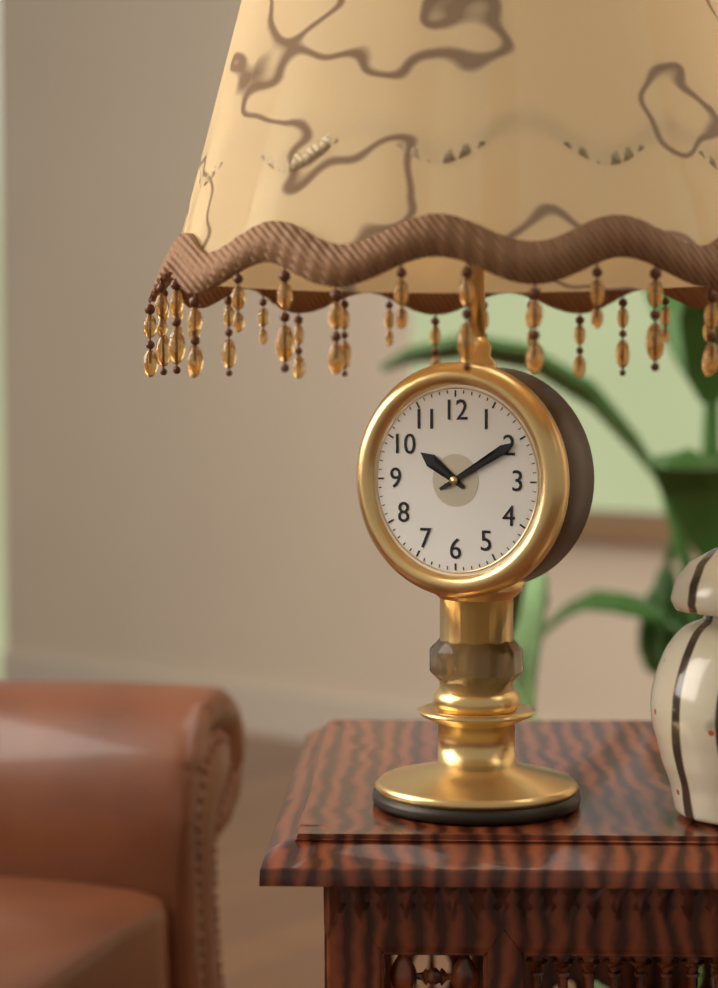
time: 10:10
